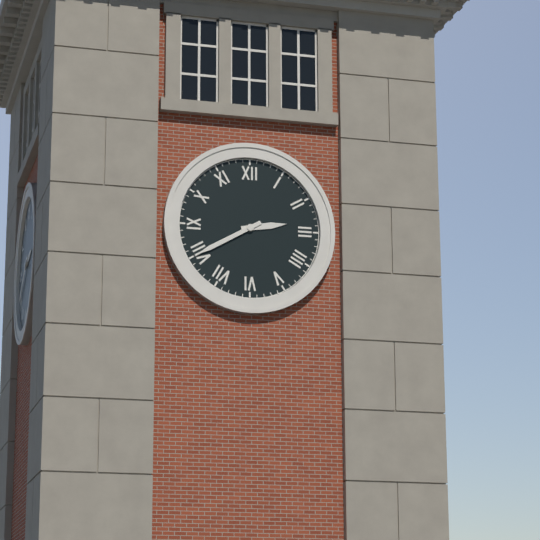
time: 2:40
